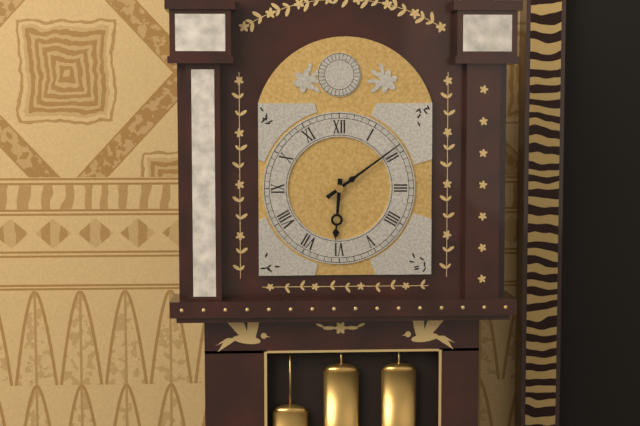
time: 6:09
